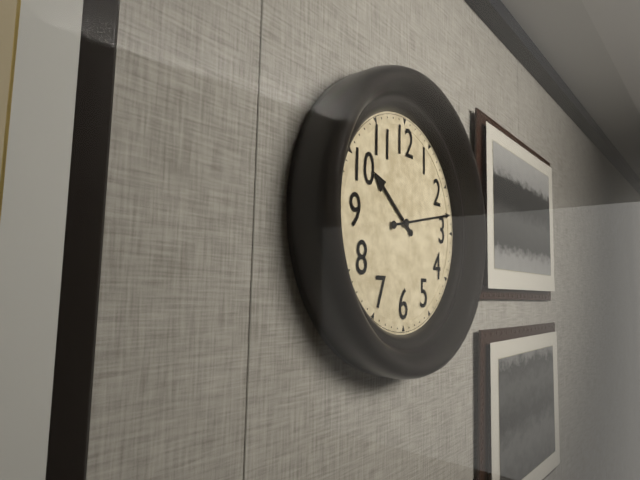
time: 10:13
